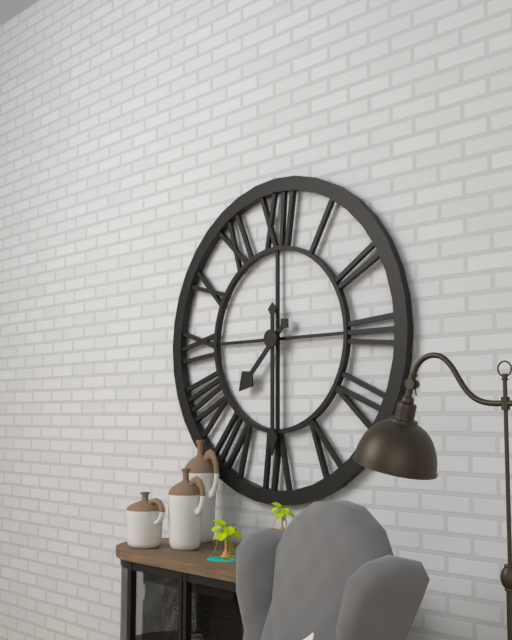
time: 7:30
